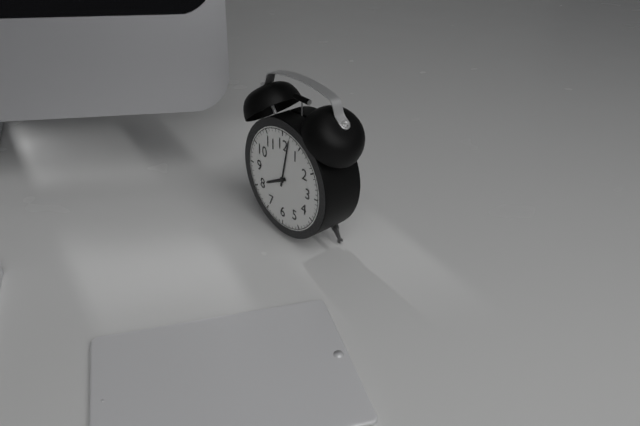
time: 8:02
